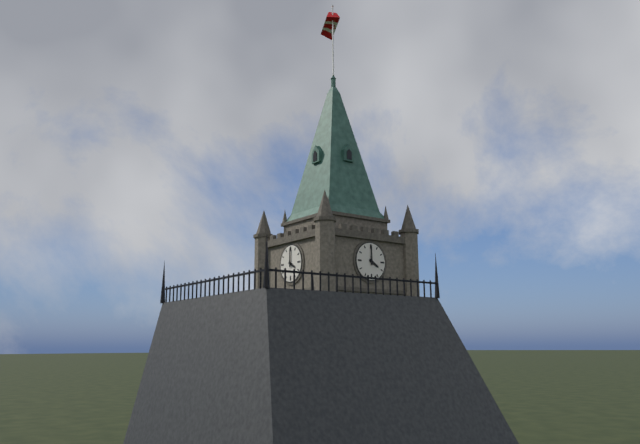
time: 4:00
